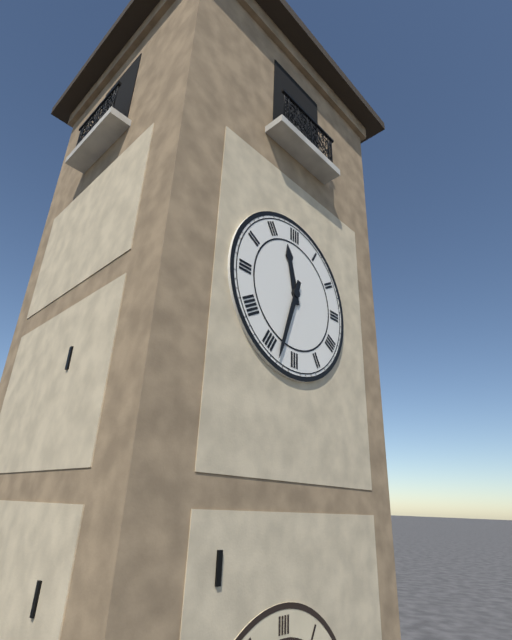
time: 11:33
